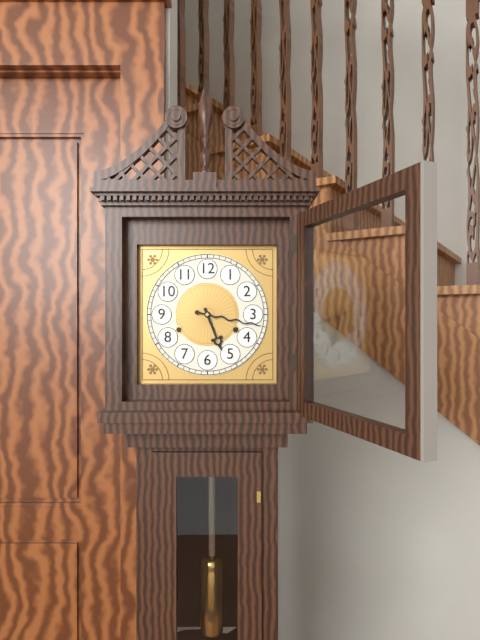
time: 5:17
